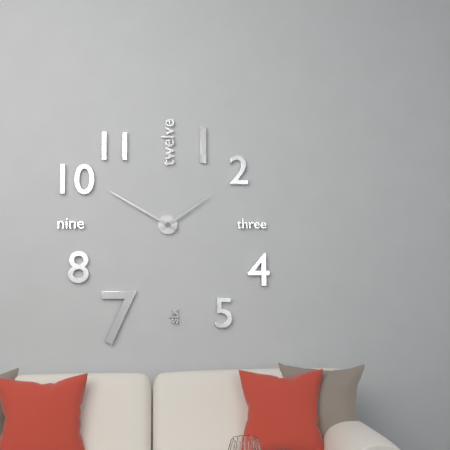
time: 1:50
